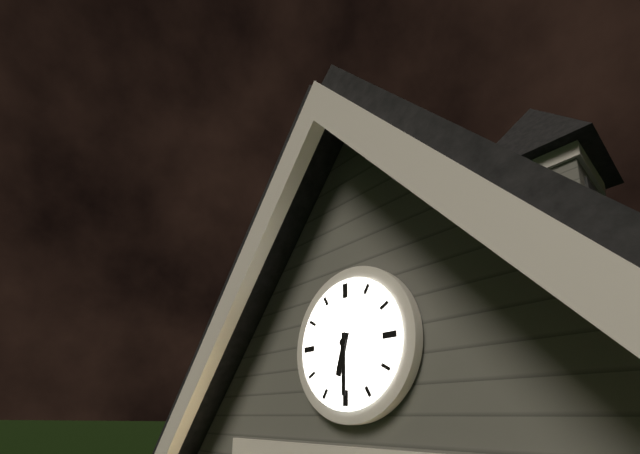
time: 6:30
